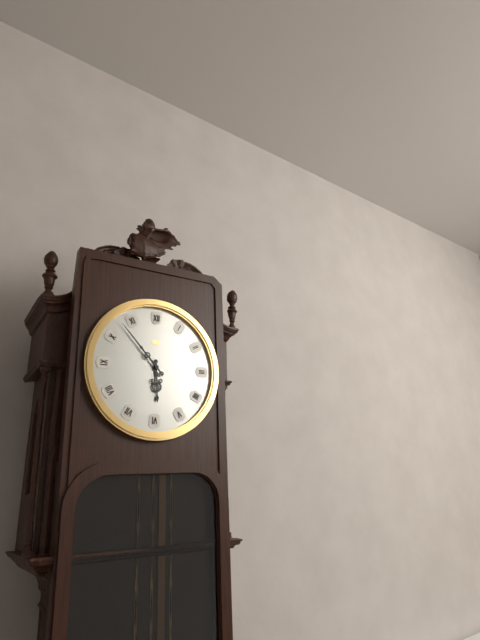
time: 5:53
